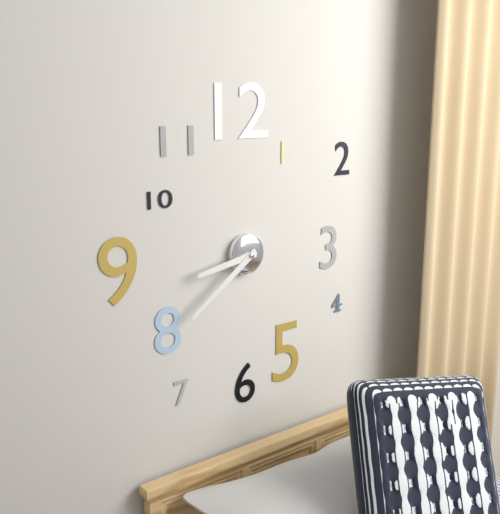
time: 8:39
